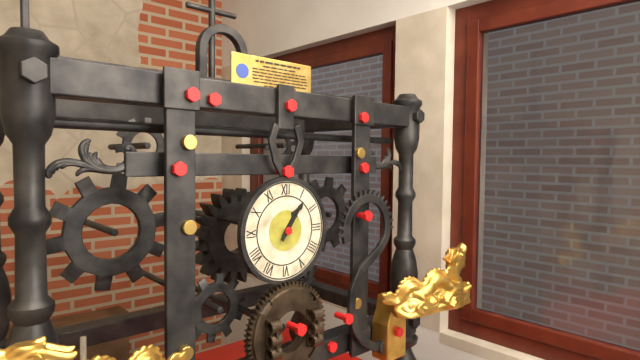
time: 1:06
